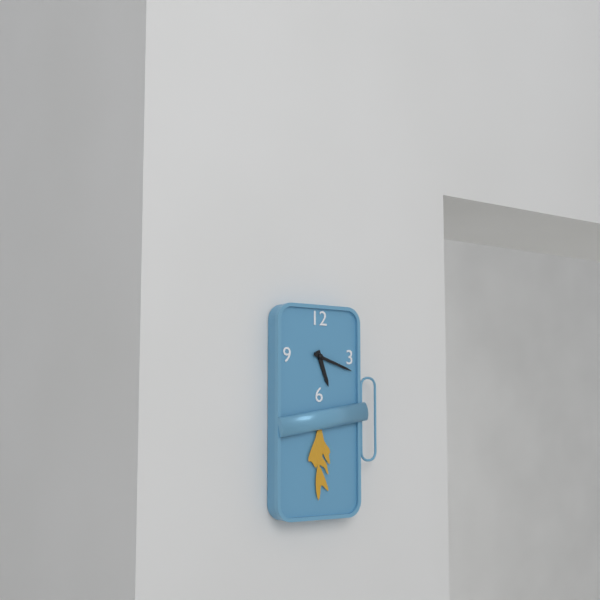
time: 5:18
